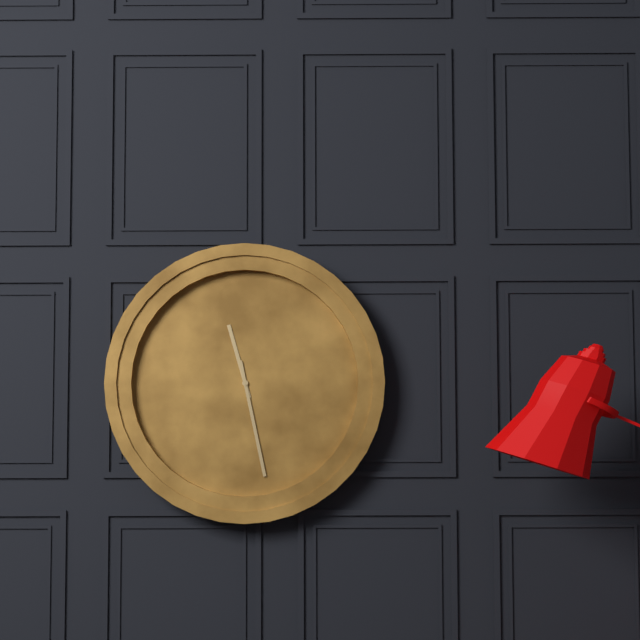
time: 11:28
